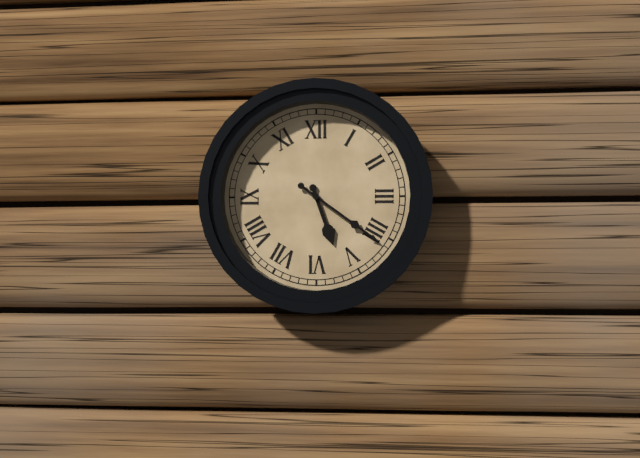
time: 5:21
